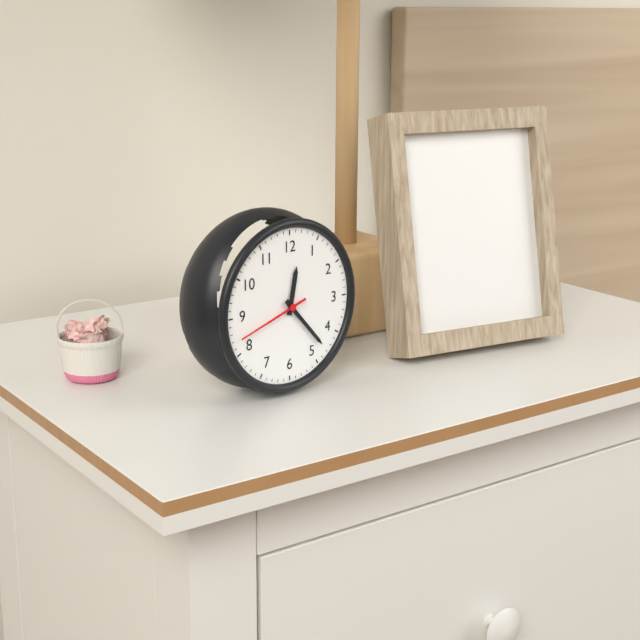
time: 12:23:42
